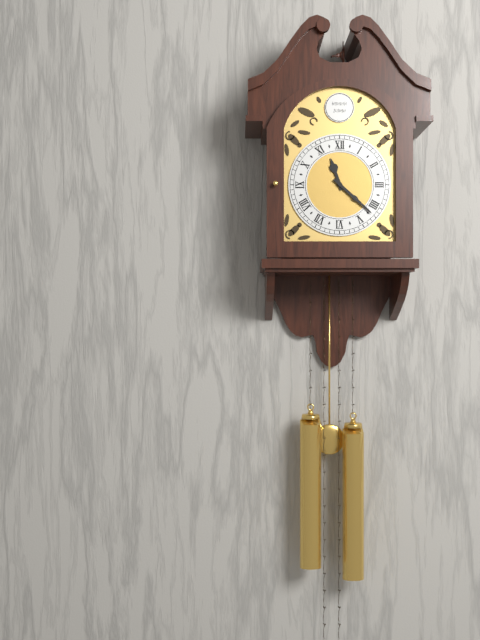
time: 11:22
